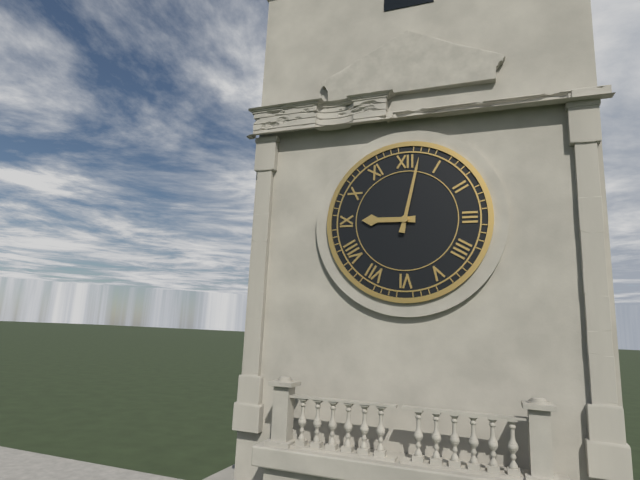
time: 9:02
